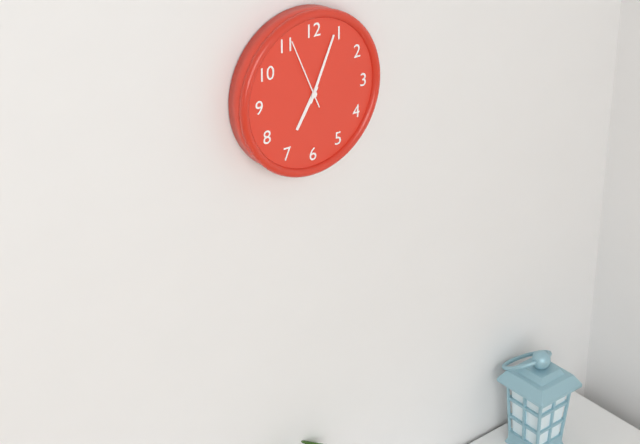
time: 7:04:56
